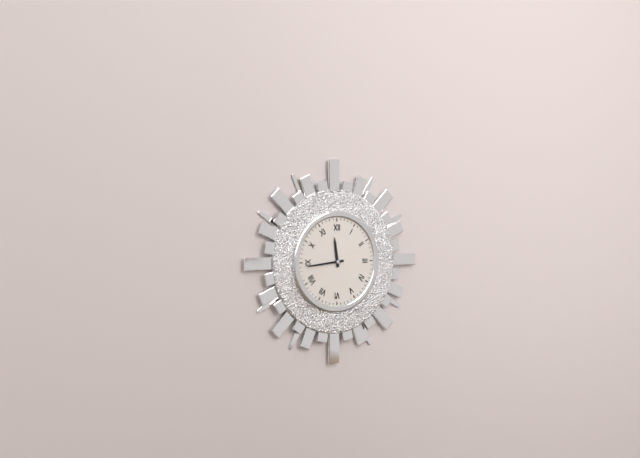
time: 11:44
